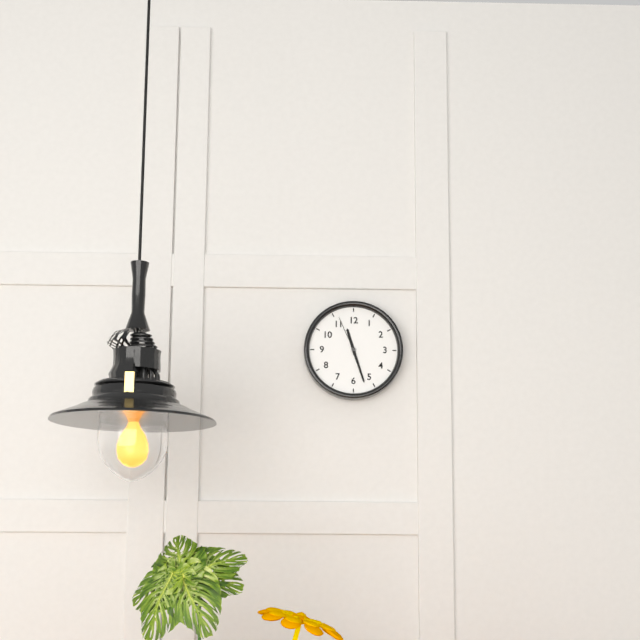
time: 11:27
